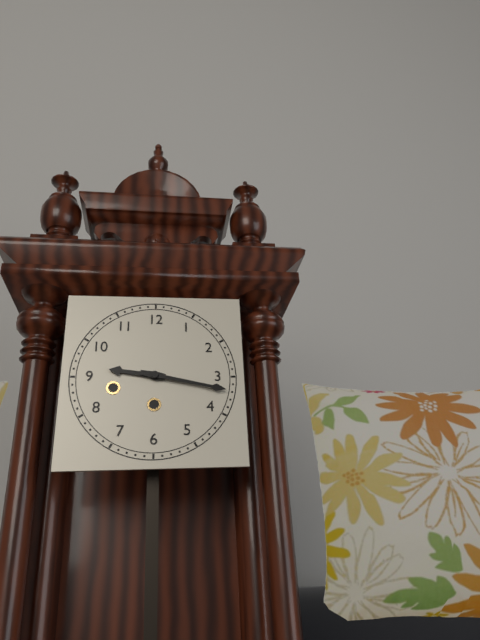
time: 9:17
